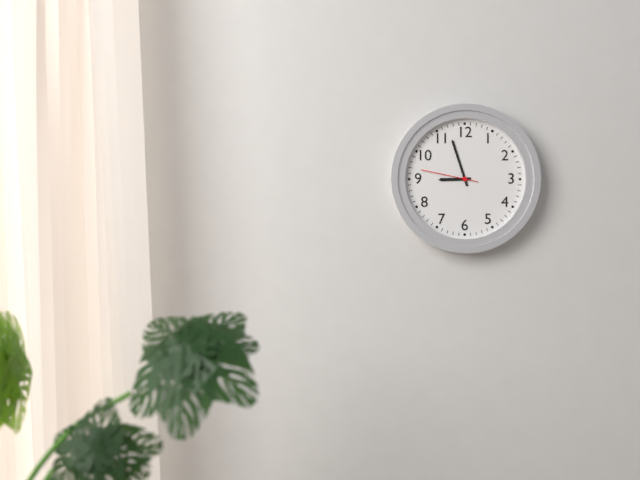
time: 8:57:47
